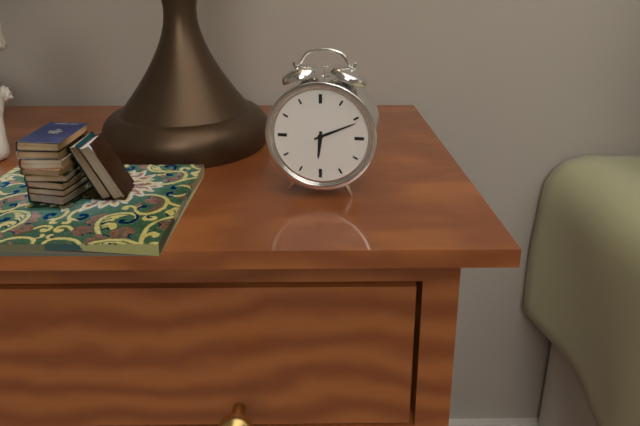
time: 6:11
